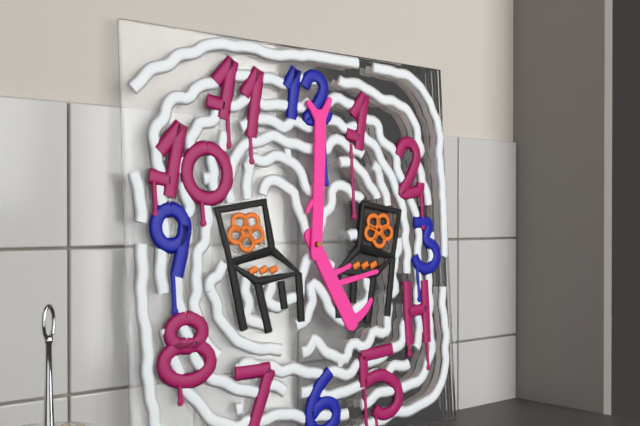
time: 5:01
